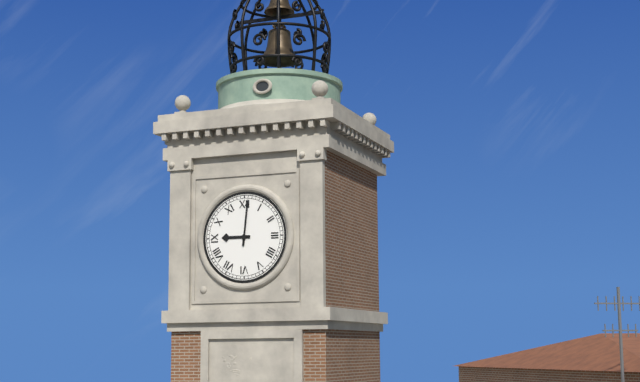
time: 9:01
